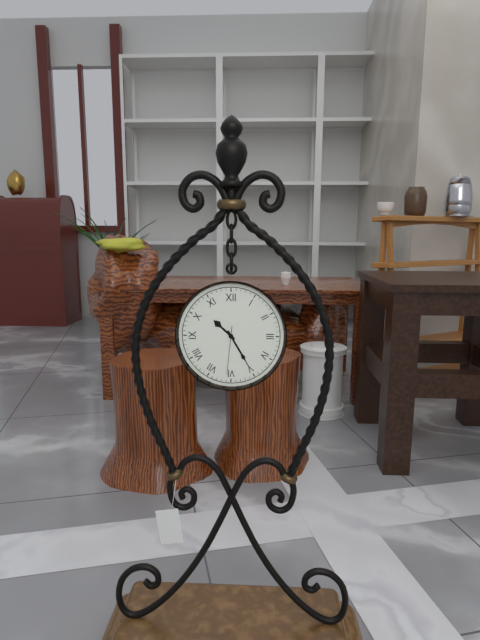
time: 10:25
